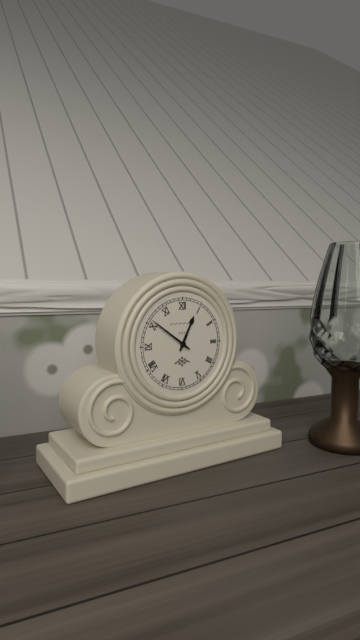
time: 12:51
